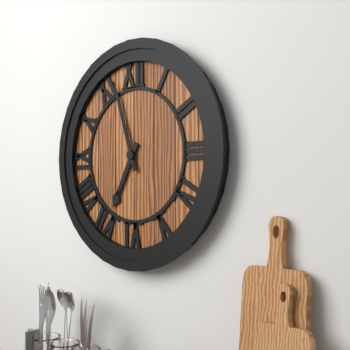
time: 6:57
